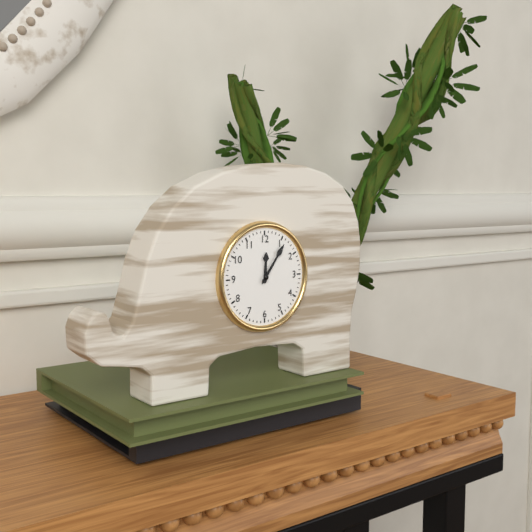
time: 12:06
